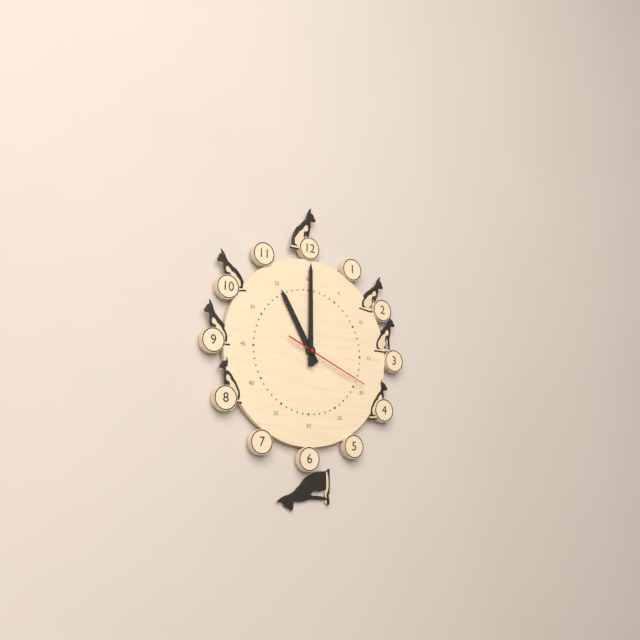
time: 11:00:19
